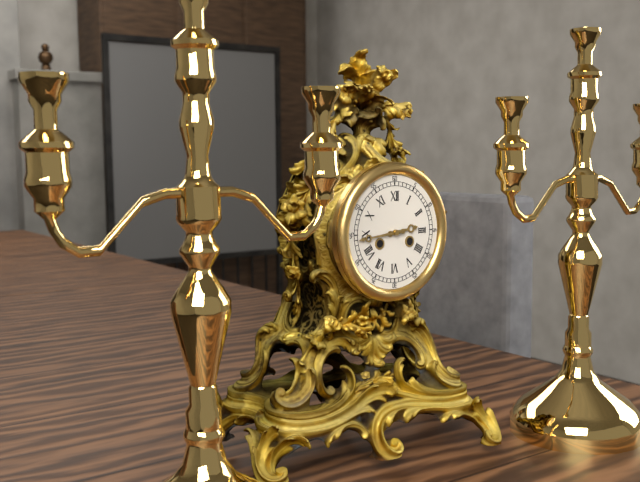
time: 2:44
